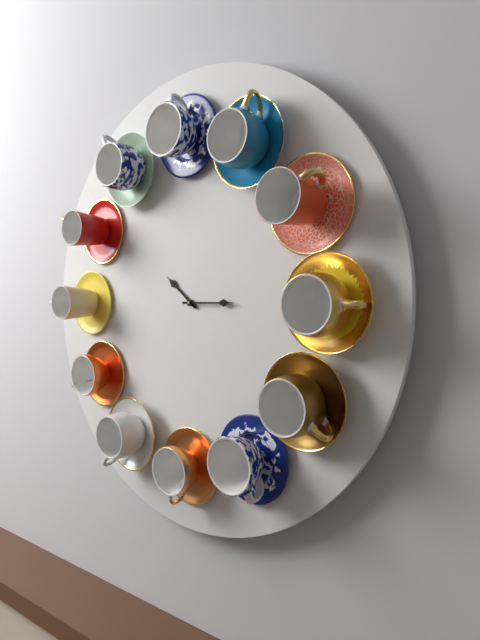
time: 10:15
